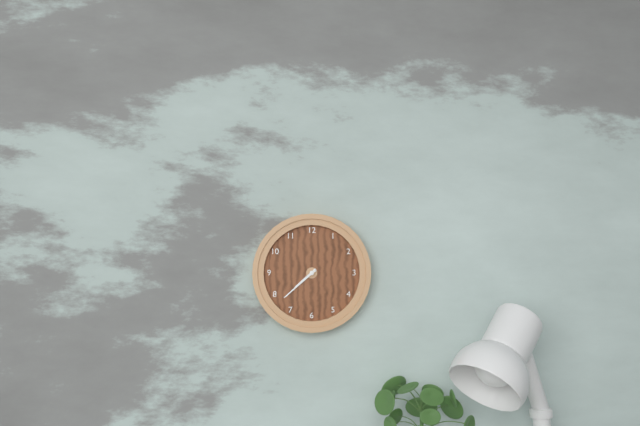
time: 7:38
